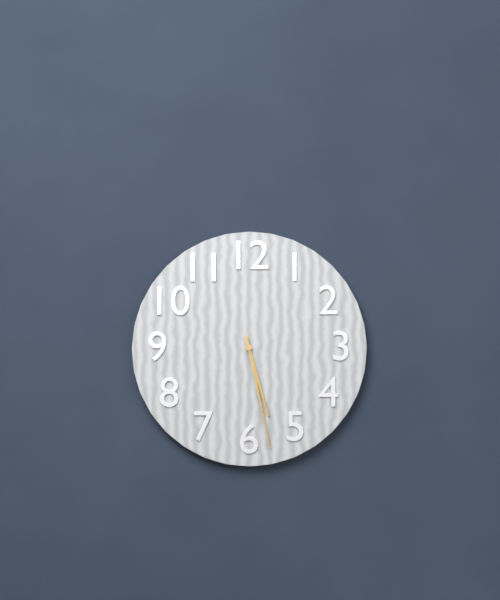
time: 5:28
